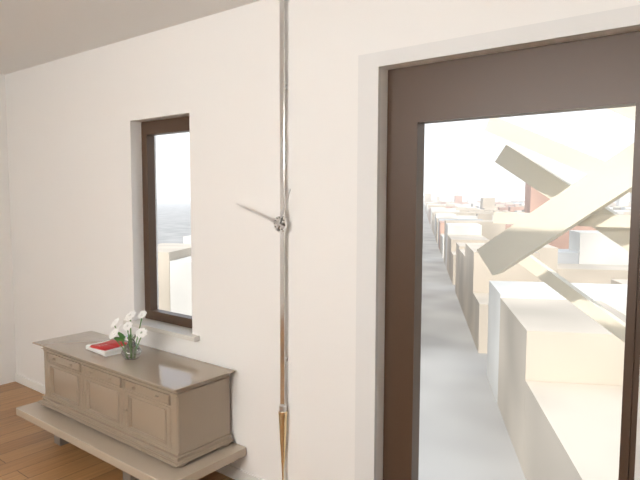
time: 12:48
